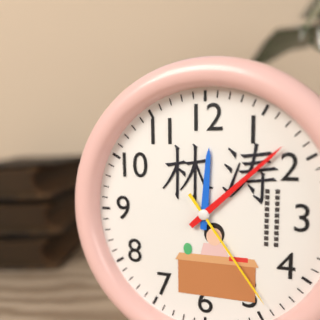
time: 12:08:24
